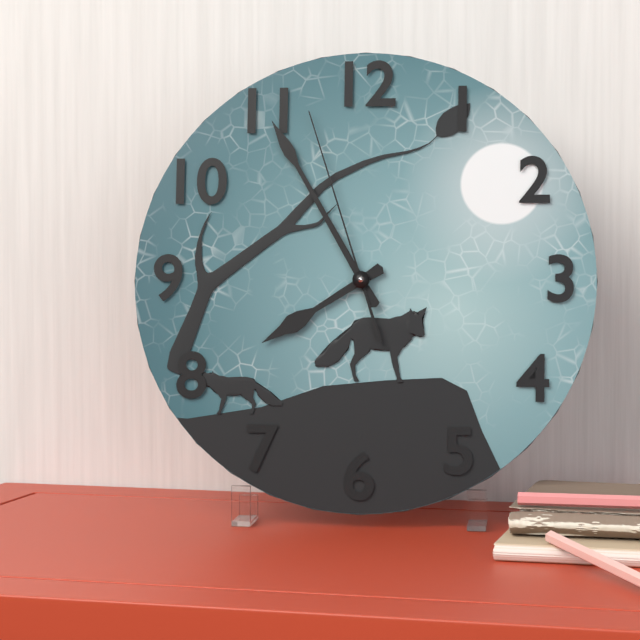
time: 7:55:57
